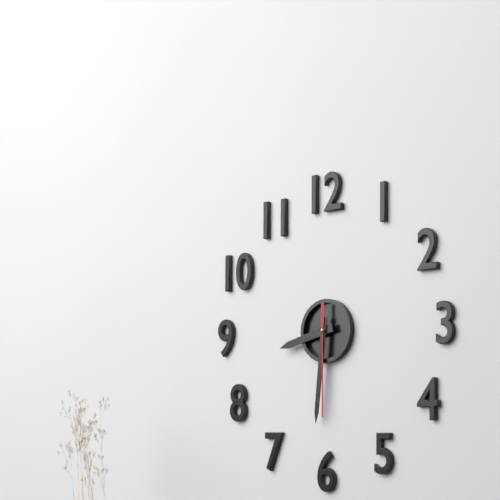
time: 8:31:30
